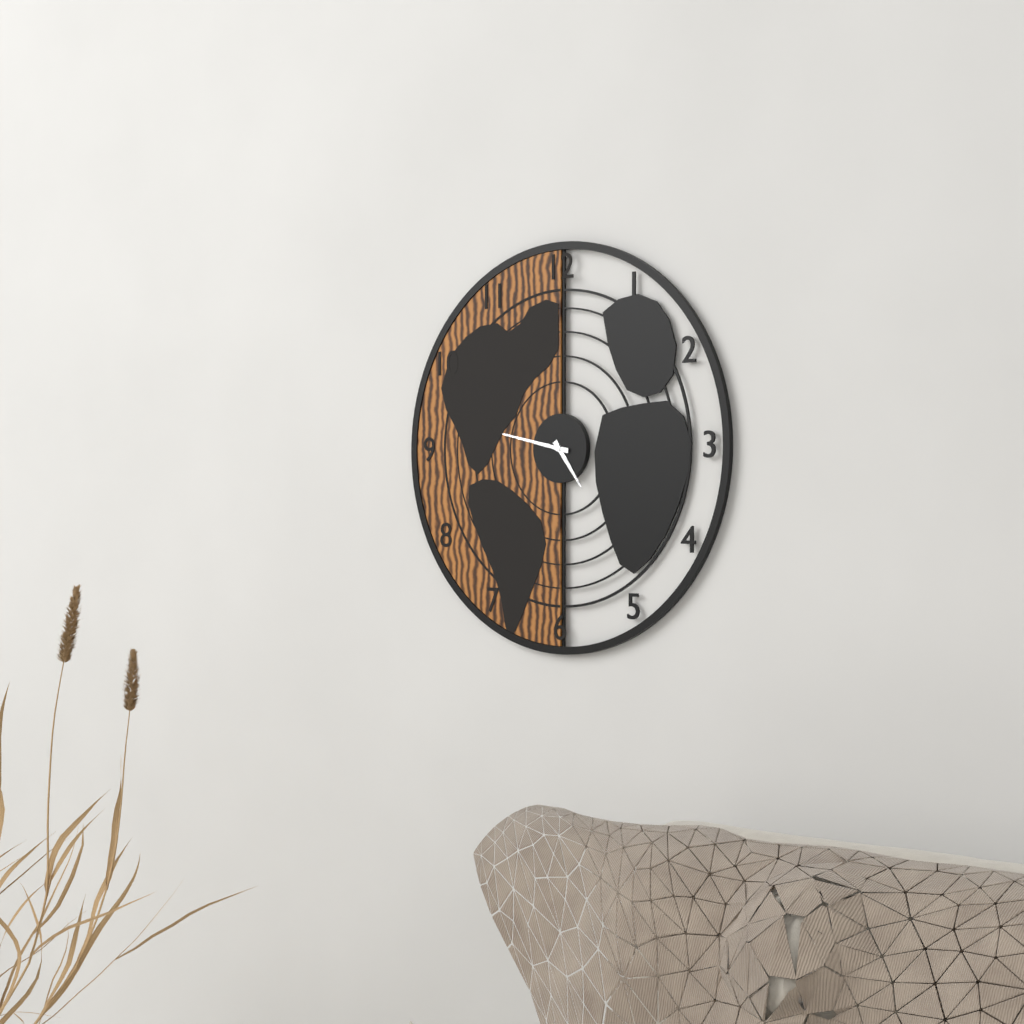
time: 4:47
